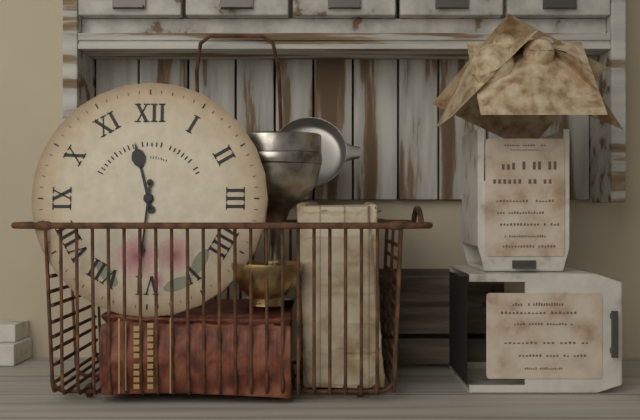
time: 11:31
